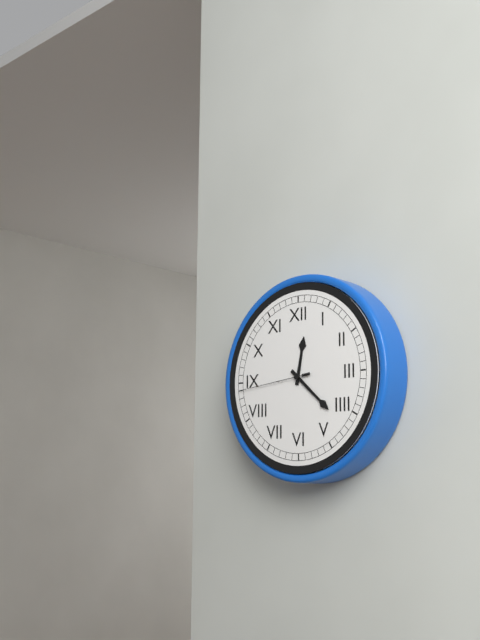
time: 12:22:44
